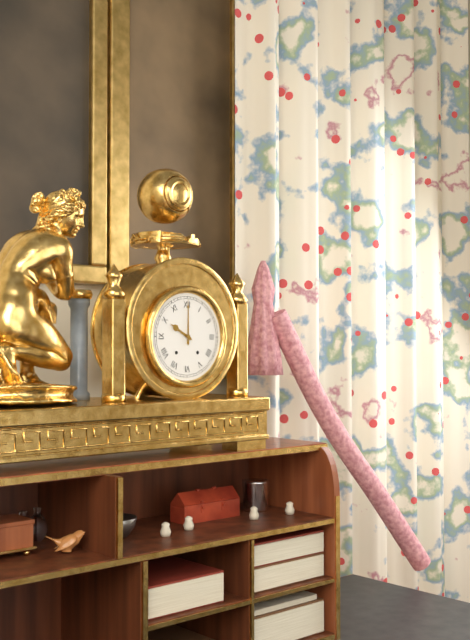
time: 10:00
